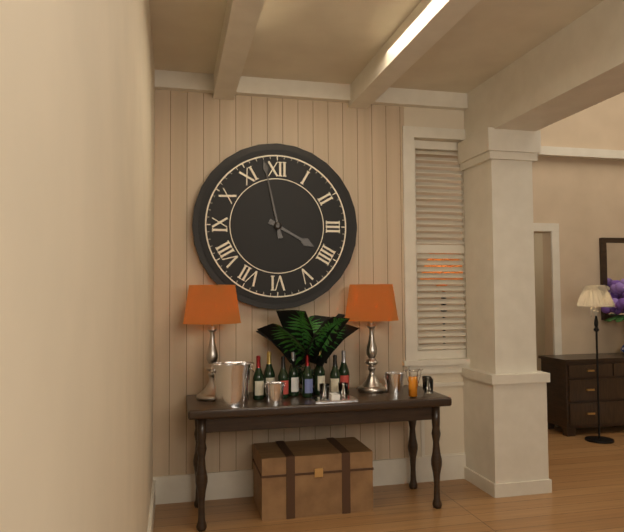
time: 3:58
